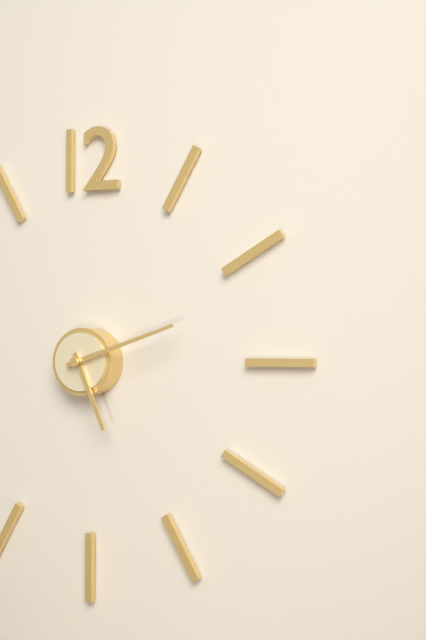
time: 5:12
